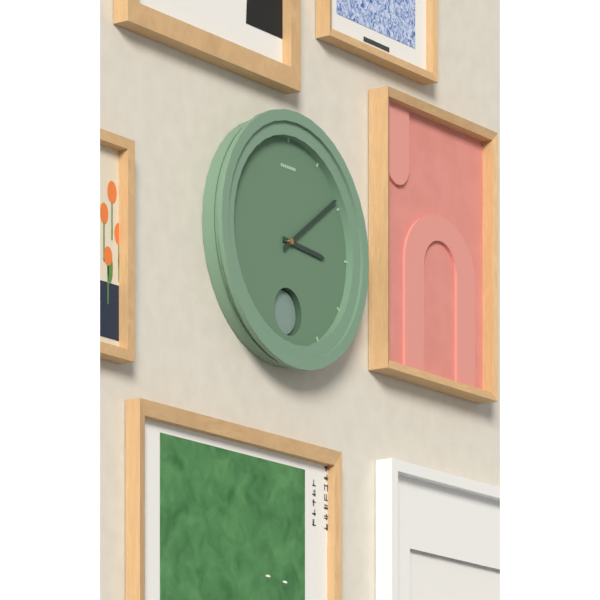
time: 3:09
